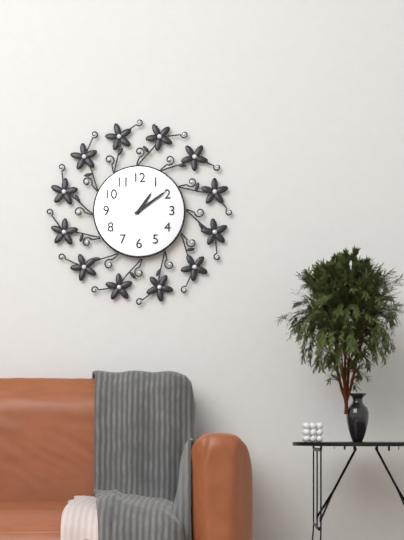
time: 1:09
